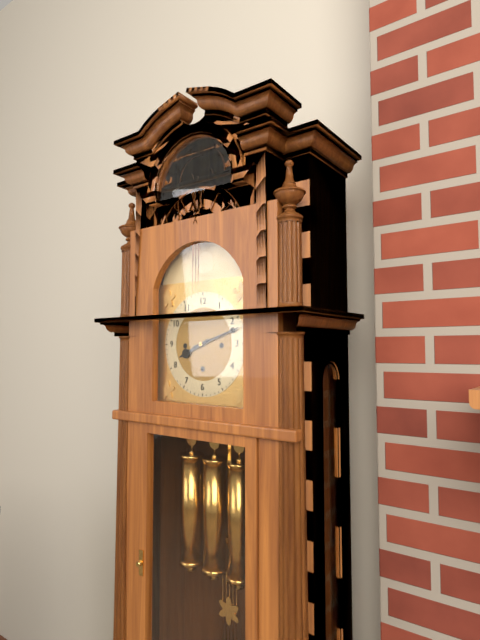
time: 8:12
